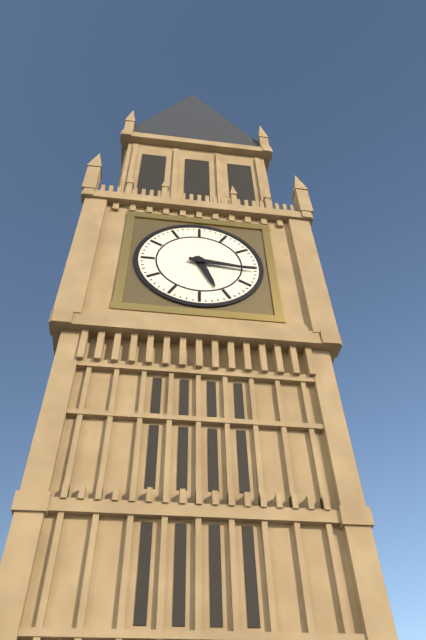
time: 5:16
